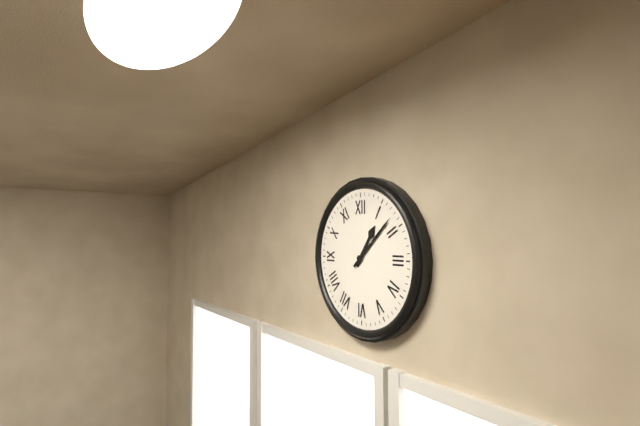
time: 1:08
